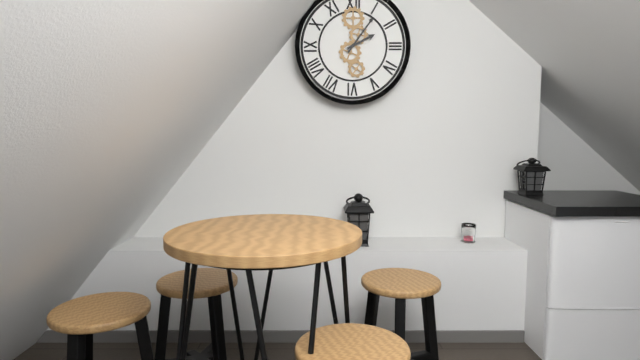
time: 2:06
